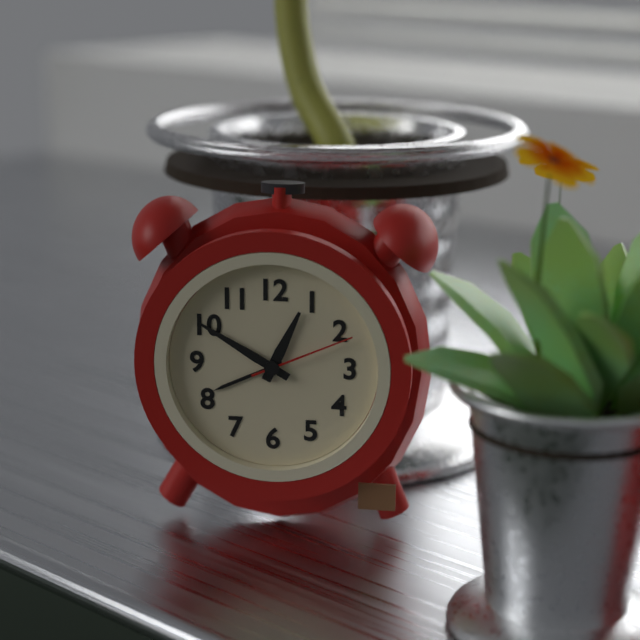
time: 12:50:11
